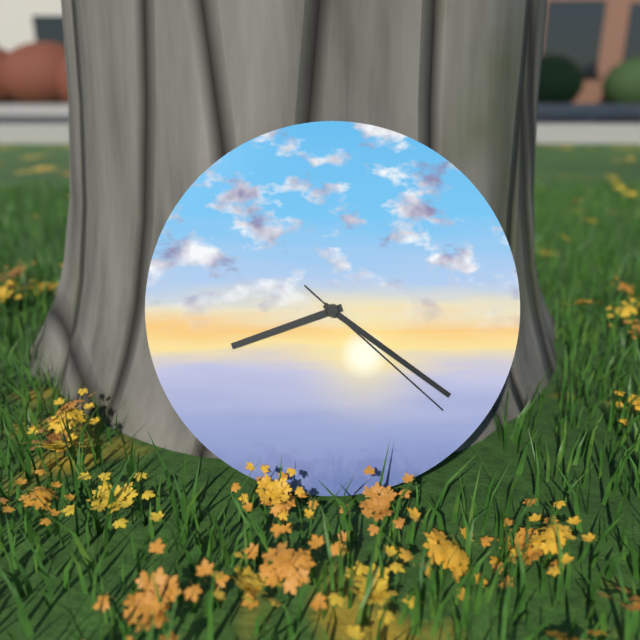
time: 8:21:22
